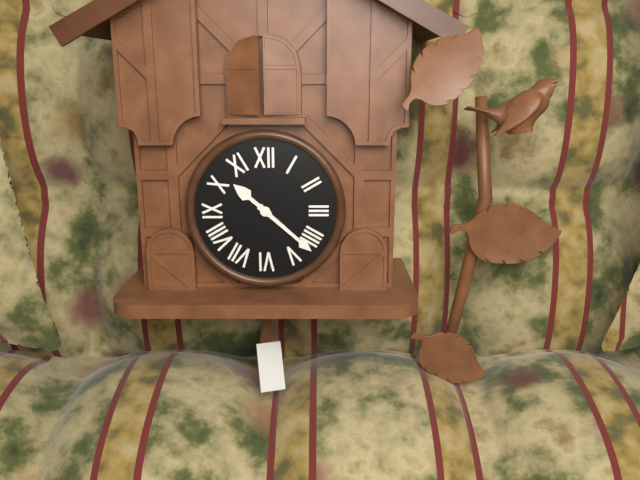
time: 10:22
